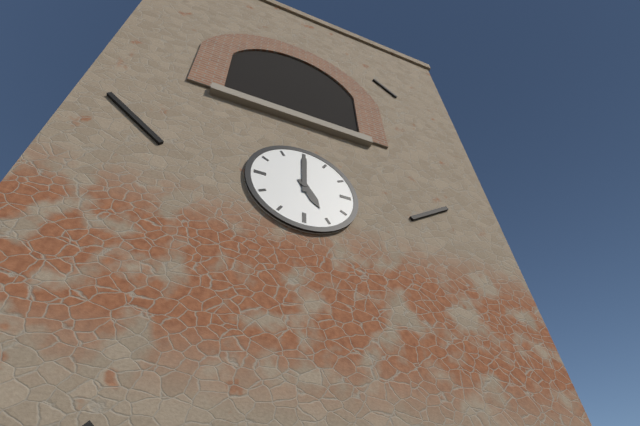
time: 5:00
